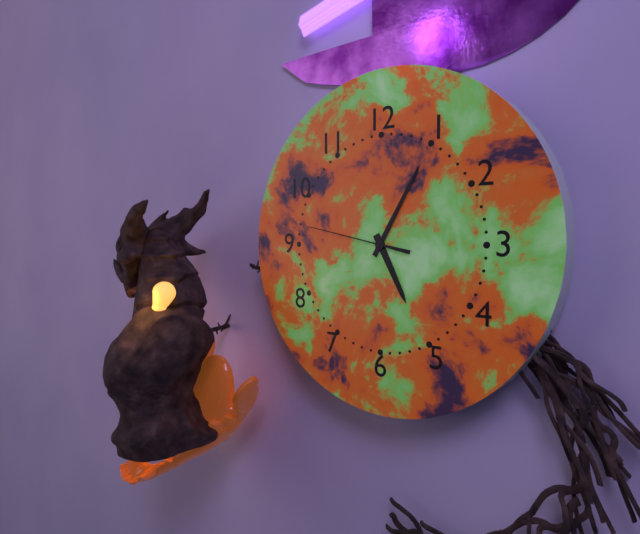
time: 5:05:47
